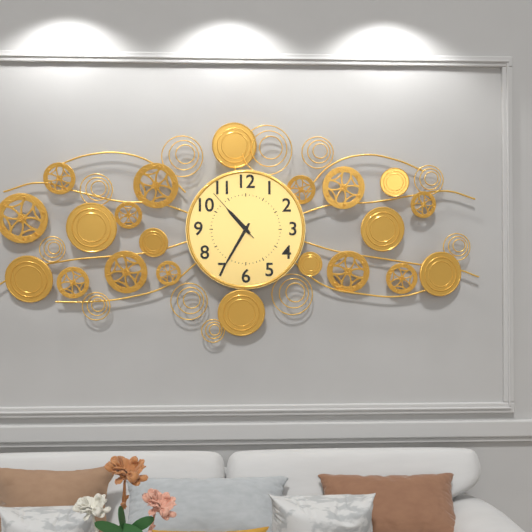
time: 10:35:53
